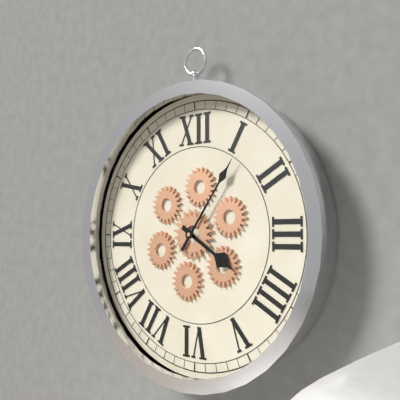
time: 4:06
